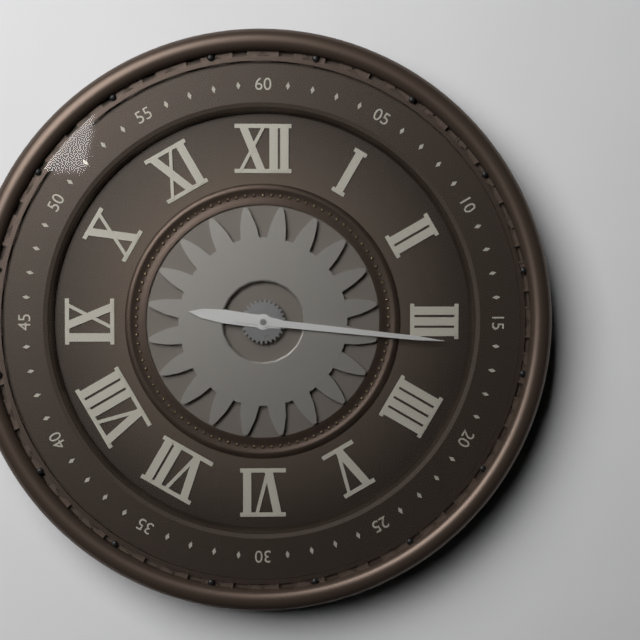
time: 9:16
